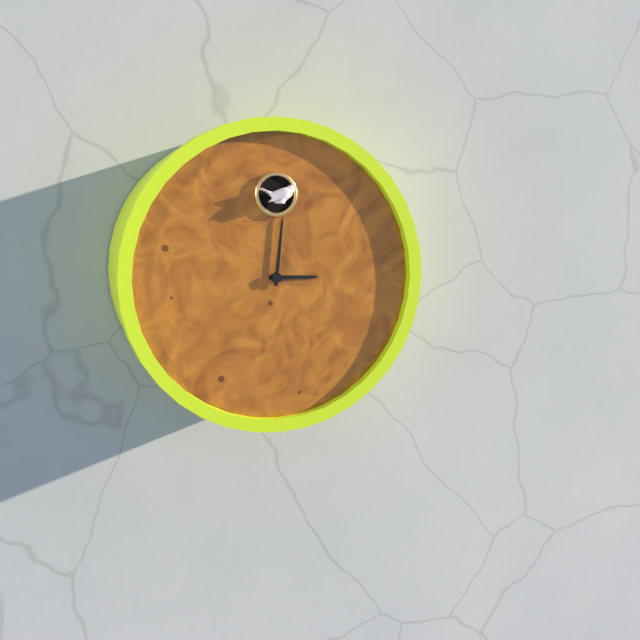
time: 3:01
